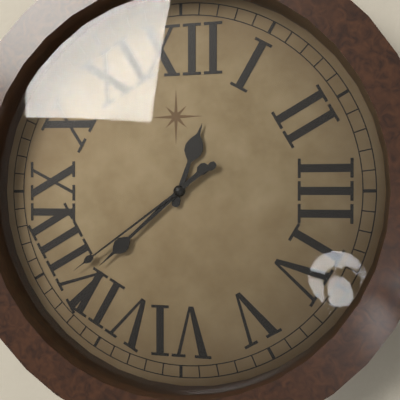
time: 12:38:39
